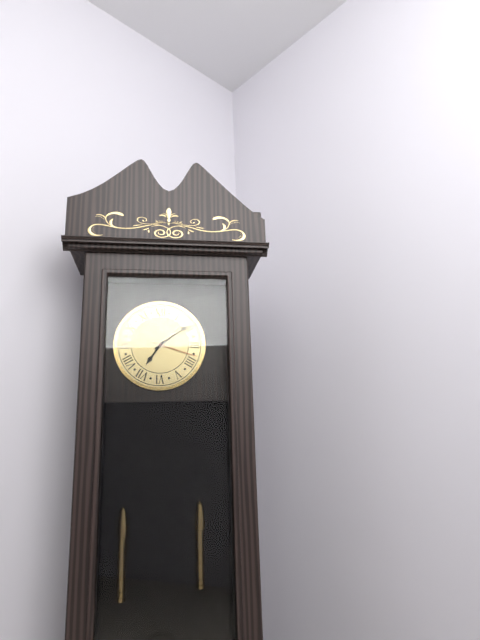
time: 7:09
